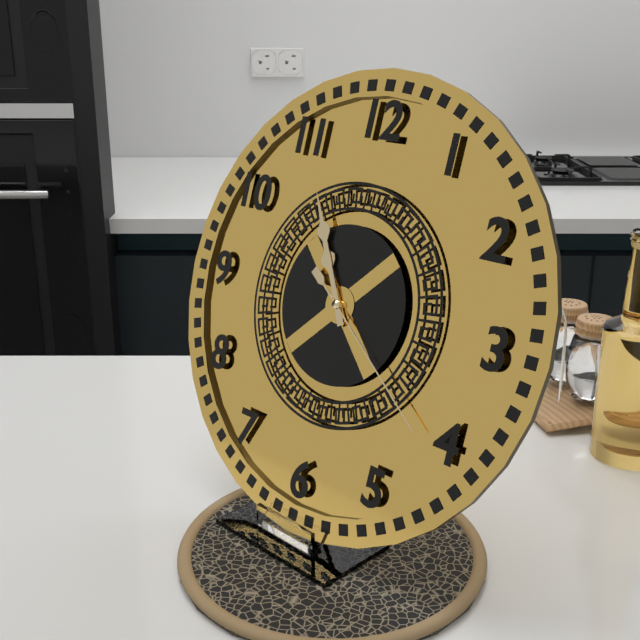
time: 10:55:21
